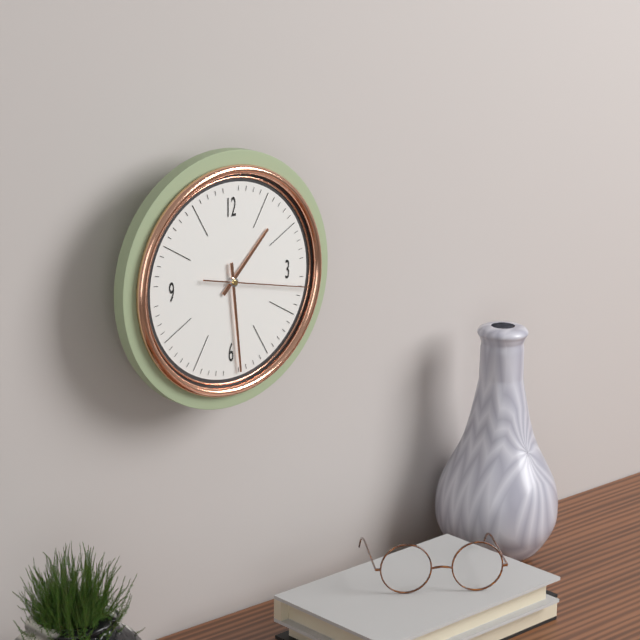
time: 1:29:17
